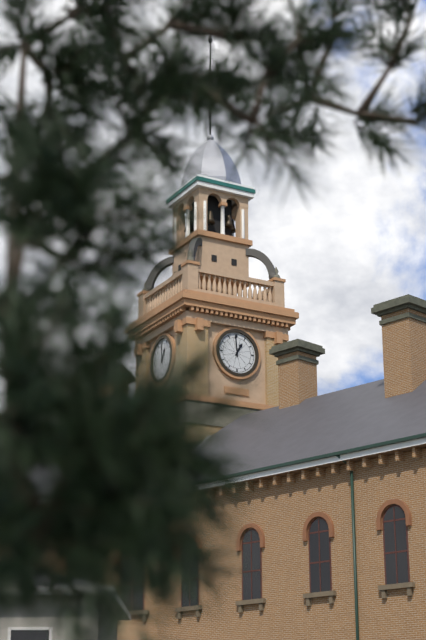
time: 12:59
